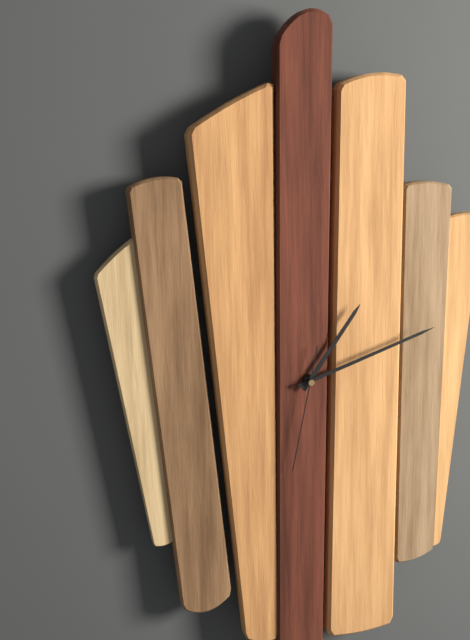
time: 1:12:32
